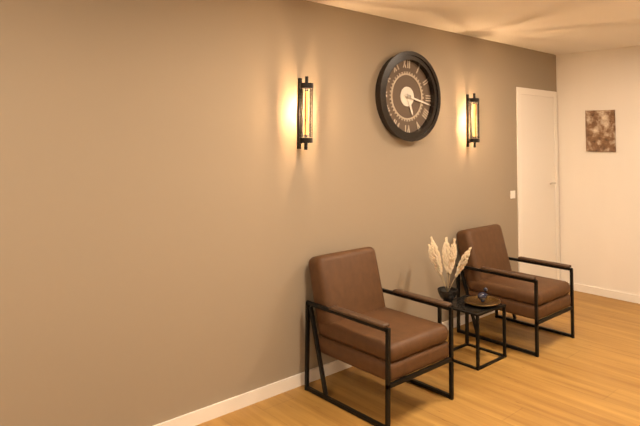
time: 5:17
